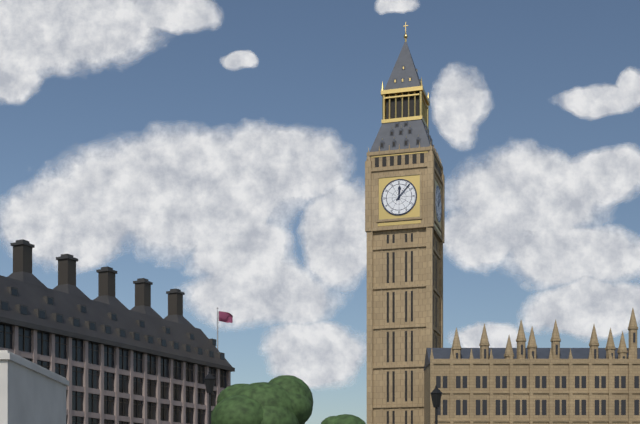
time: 12:07
